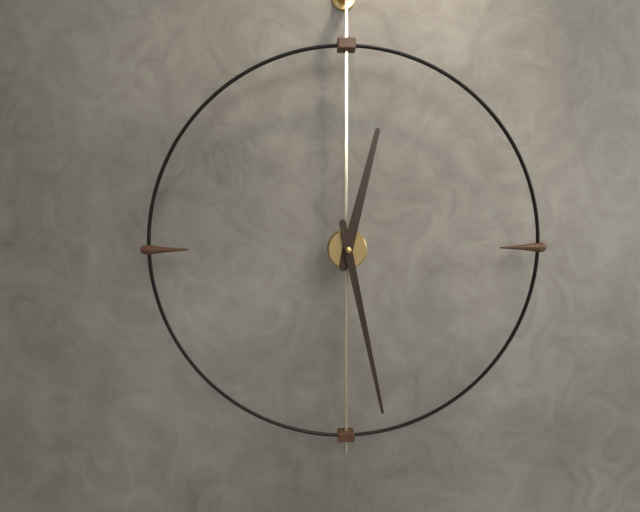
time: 12:28
